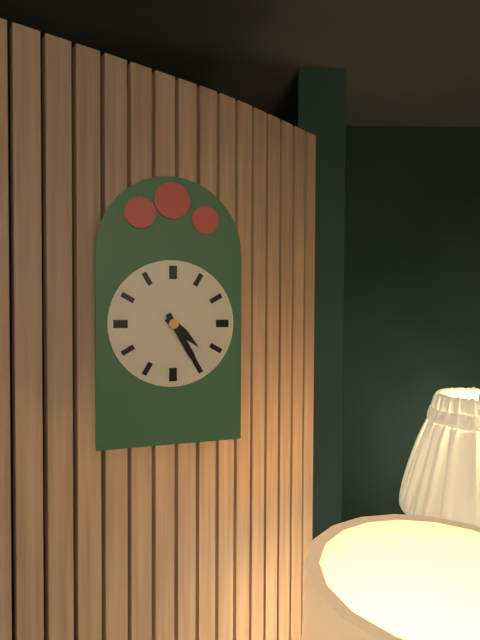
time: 4:25
